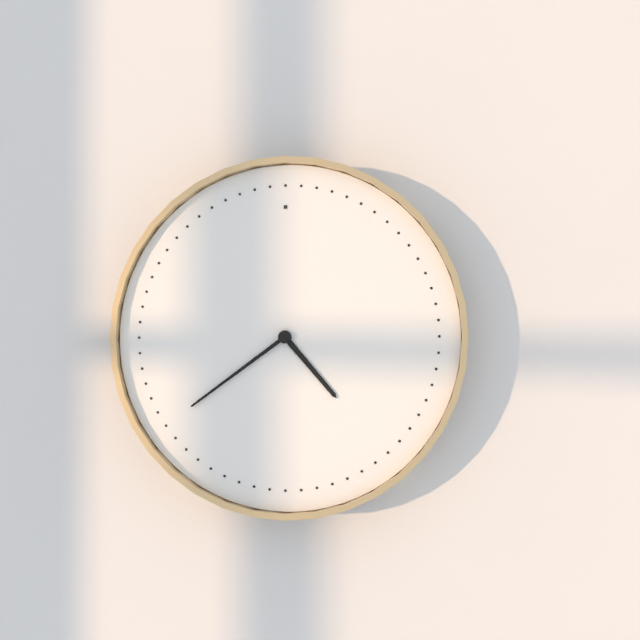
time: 4:39
